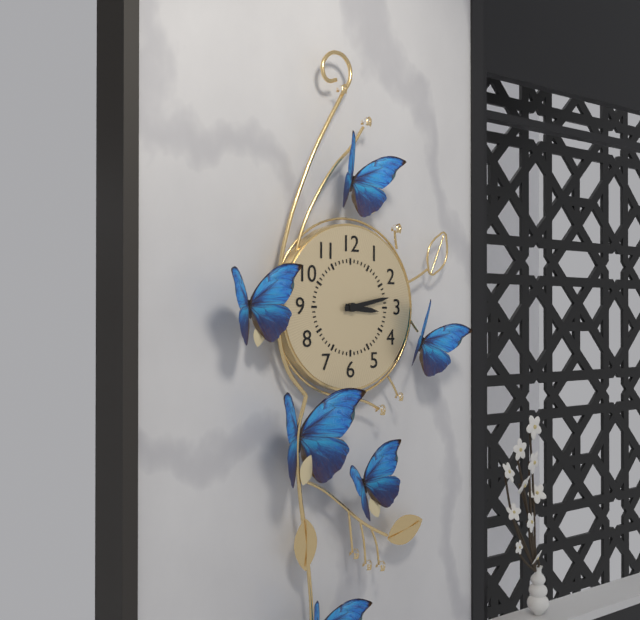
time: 3:13
